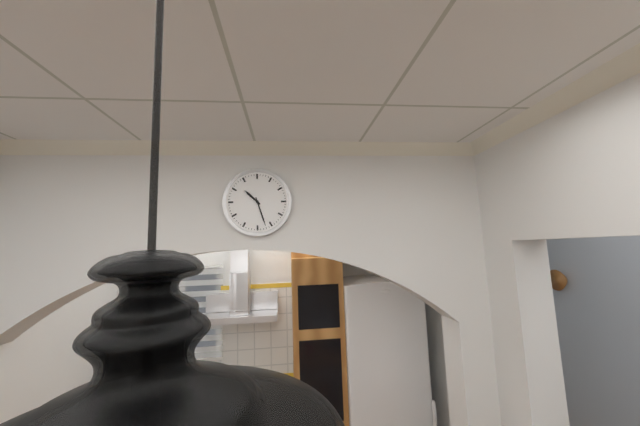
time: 10:27
